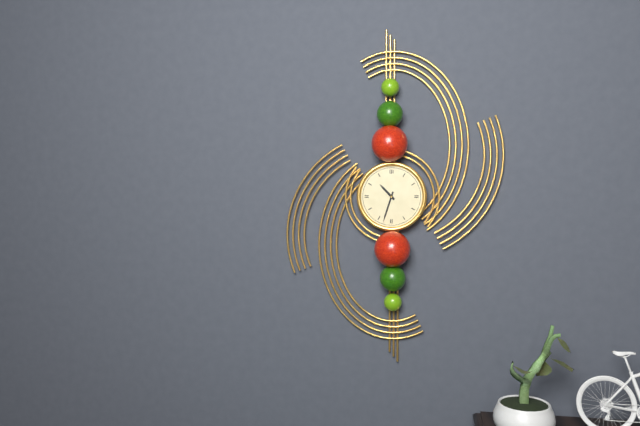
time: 10:33
